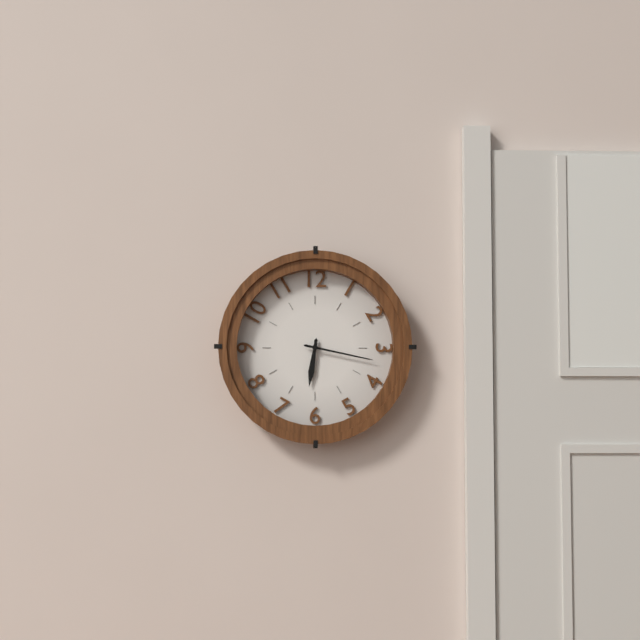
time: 6:17
